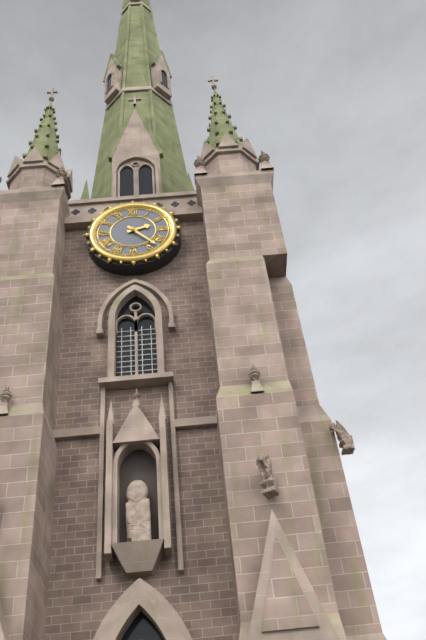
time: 2:23
